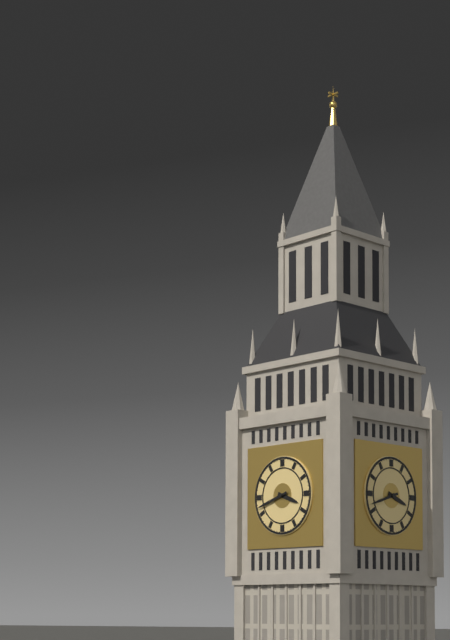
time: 3:42
